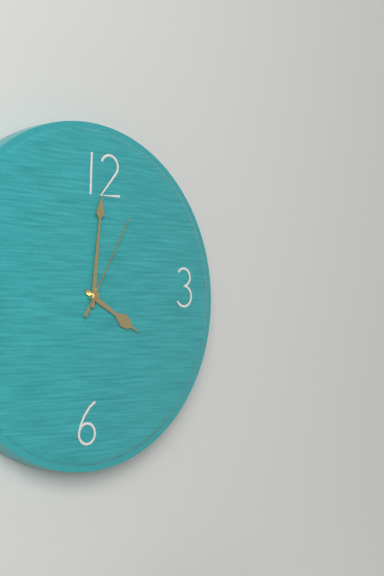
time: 4:01:05
